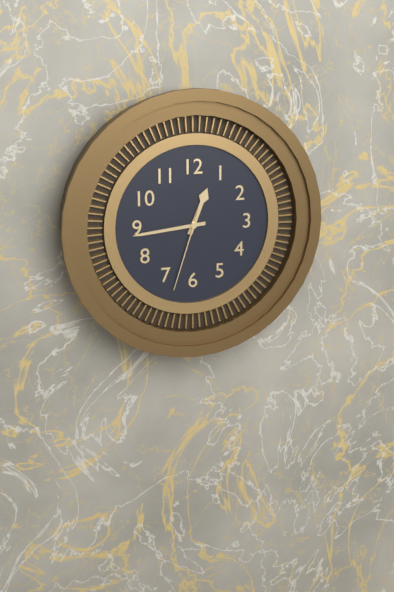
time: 12:44:33
